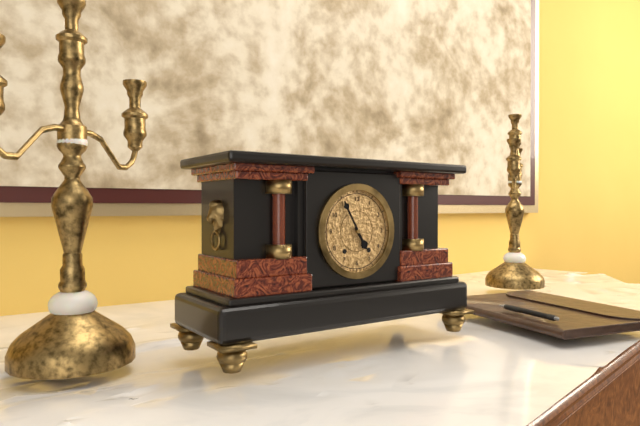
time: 4:55
